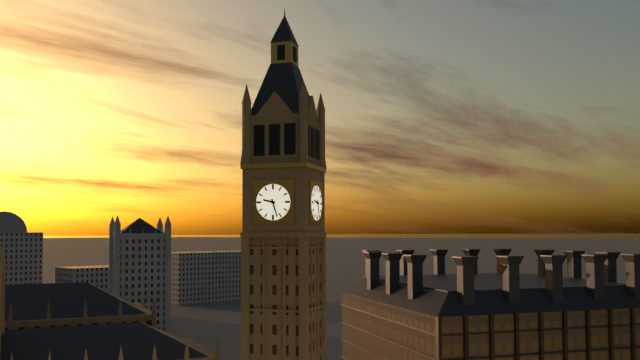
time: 9:27
